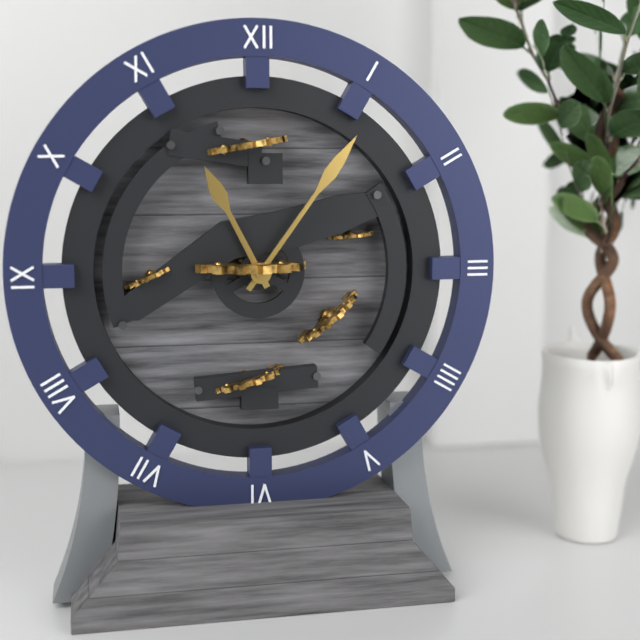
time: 11:06
